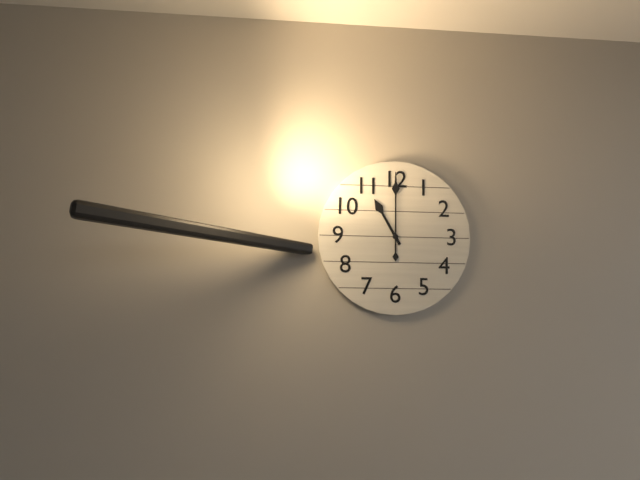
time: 11:00
